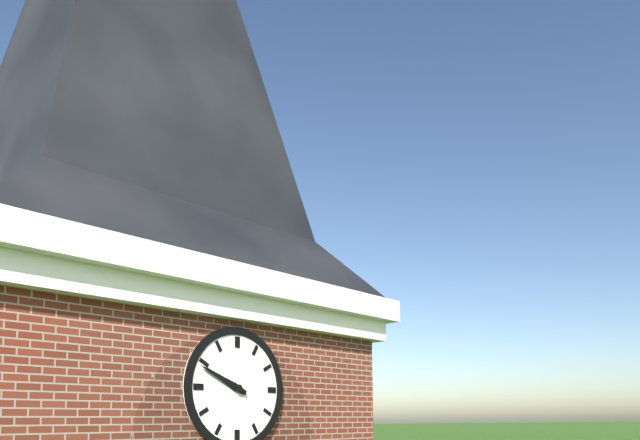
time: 9:49
